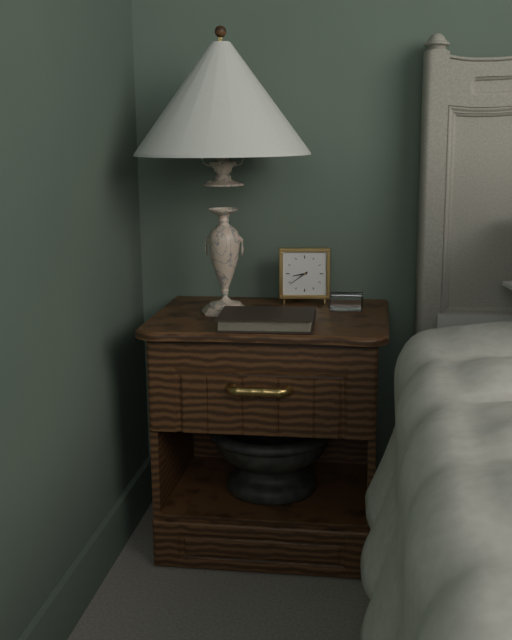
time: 8:39
